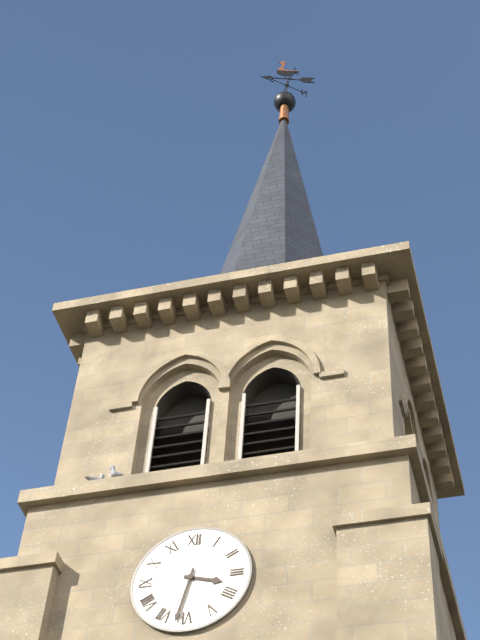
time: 3:32
